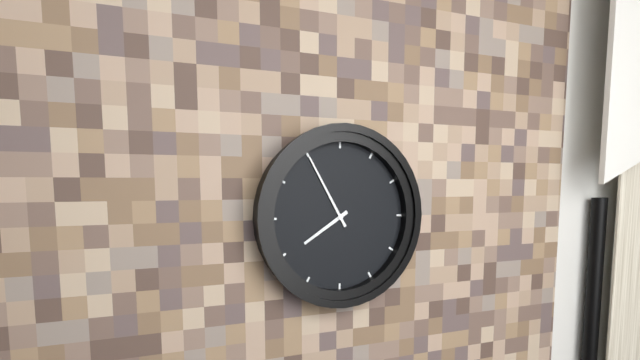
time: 7:55
